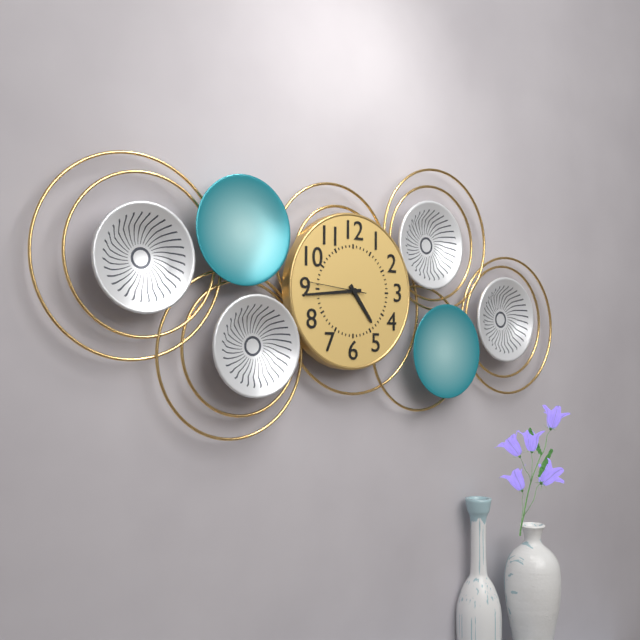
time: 4:44:46
